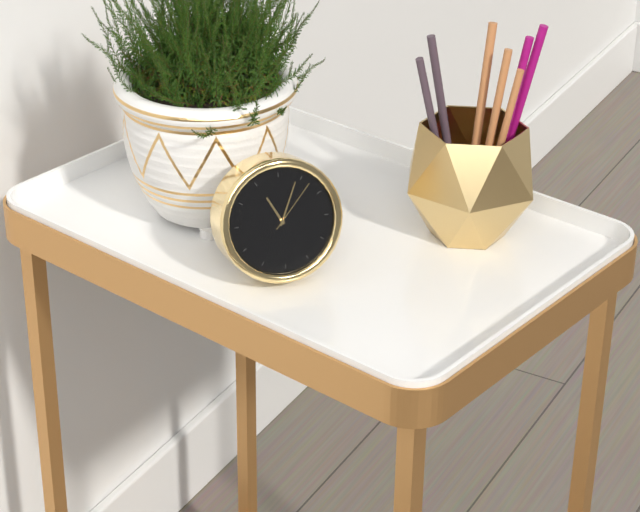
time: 11:04:07
